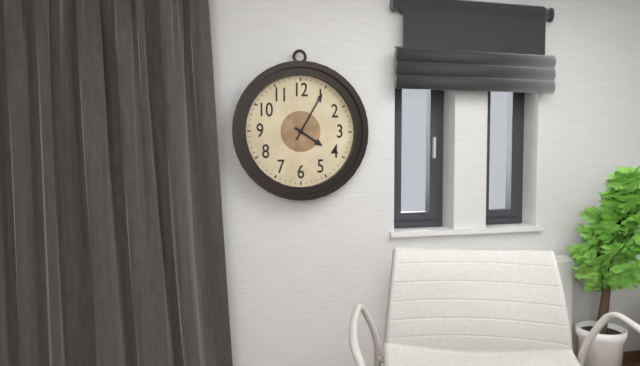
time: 4:05
